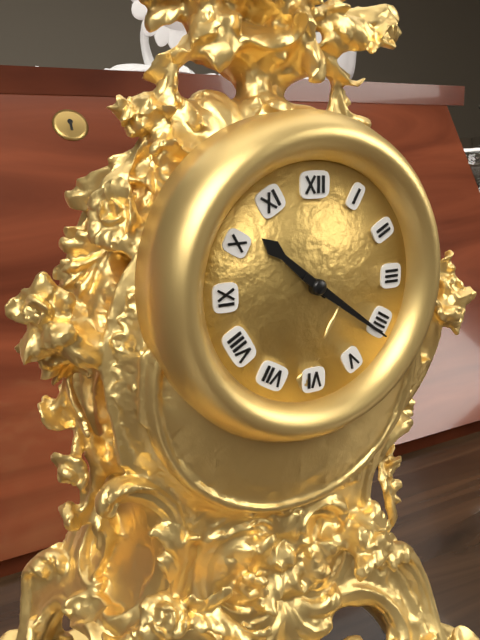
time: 10:21
